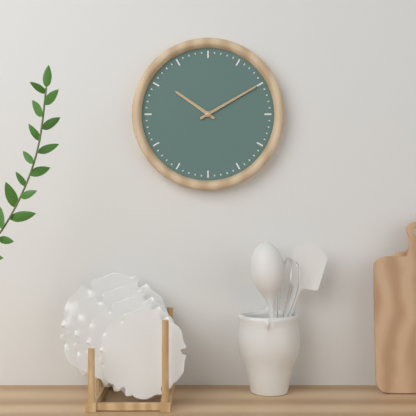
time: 10:10
